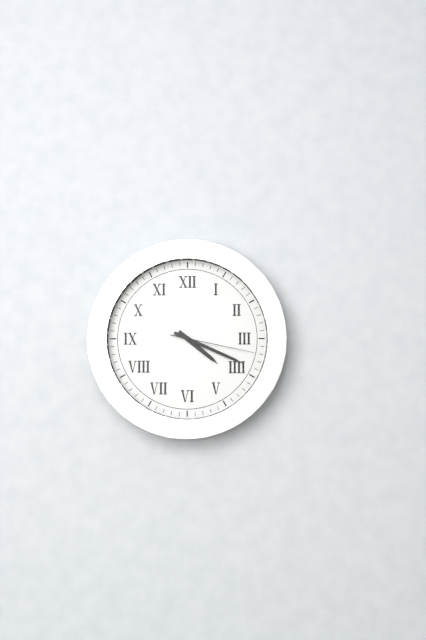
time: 4:19:17
